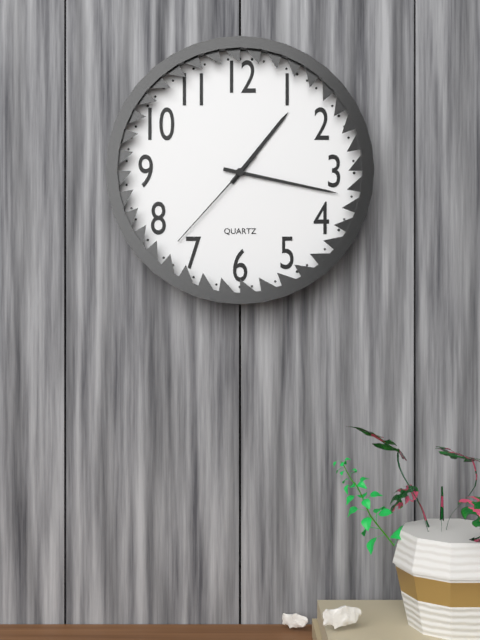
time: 1:17:37
